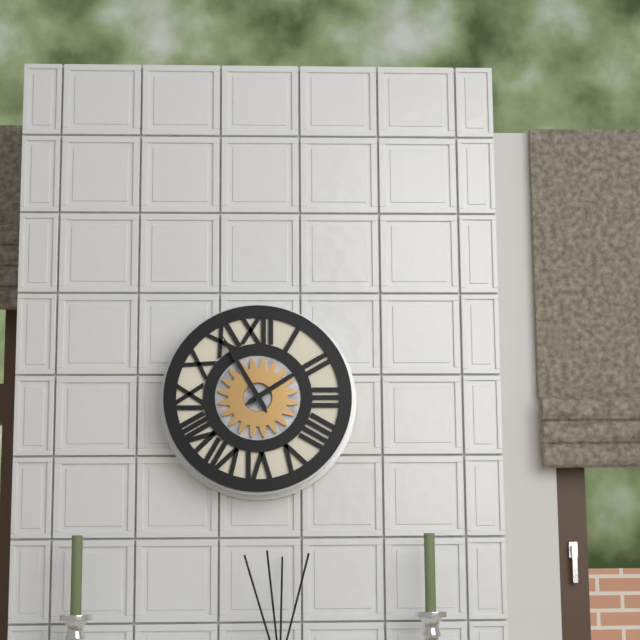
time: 1:55
